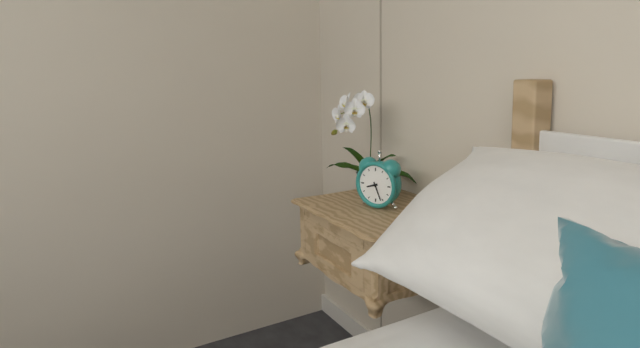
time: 8:26
